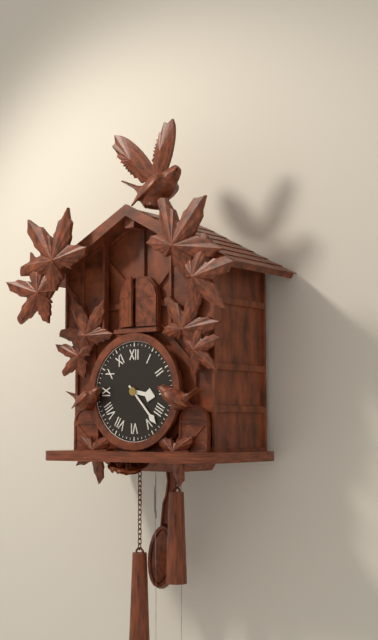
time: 3:23
